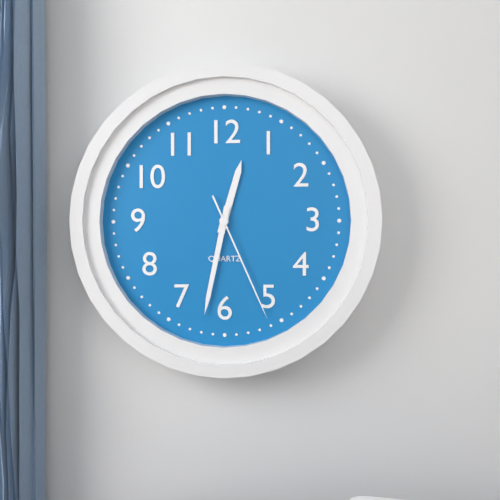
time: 12:32:26
